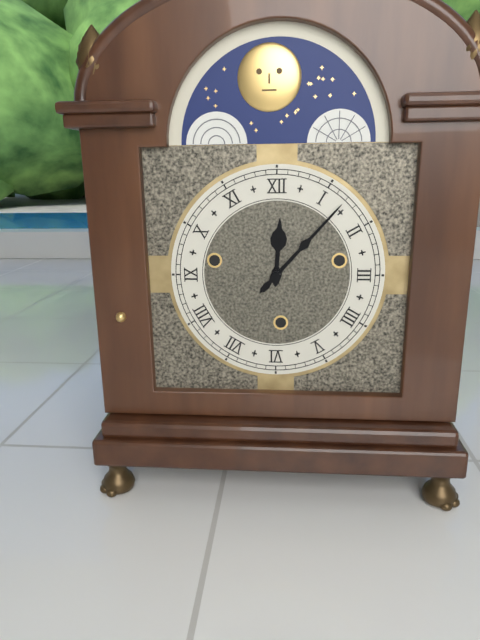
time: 12:07
